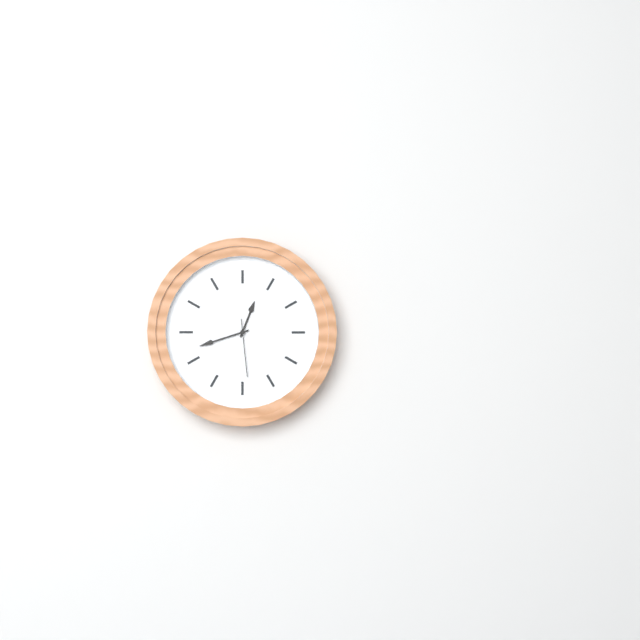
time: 12:42:29
